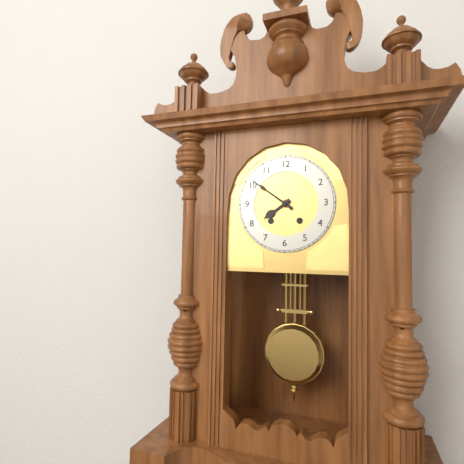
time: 7:51
